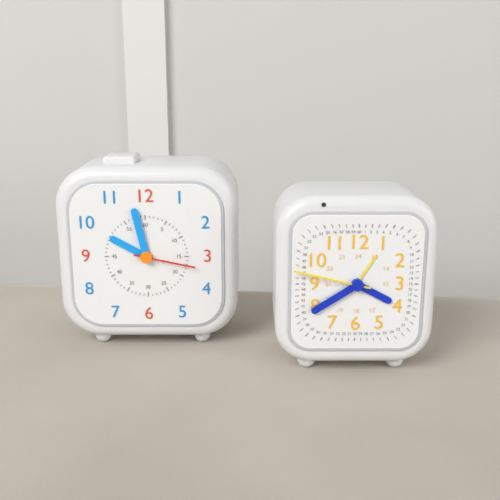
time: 9:58:17
